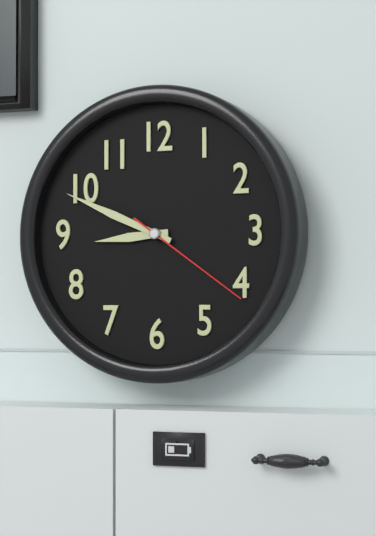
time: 8:49:21
